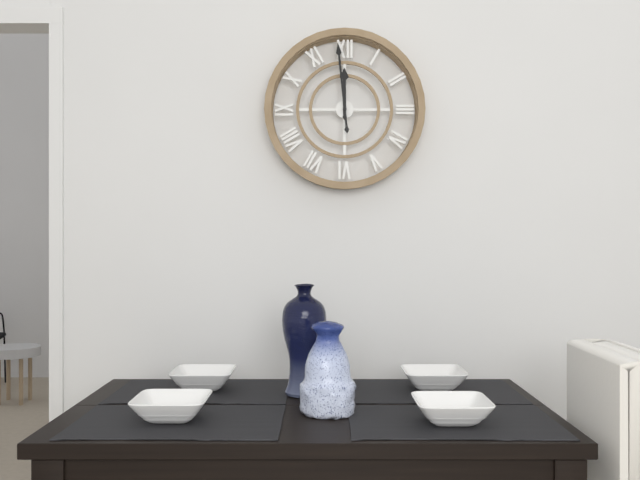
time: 11:59
